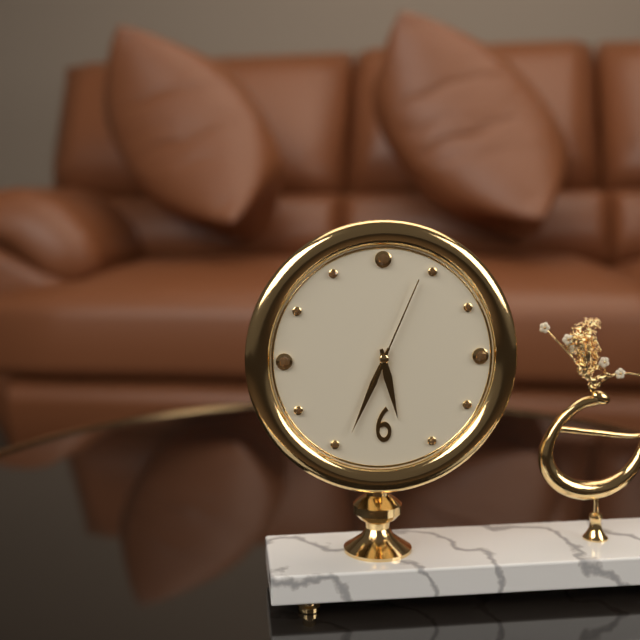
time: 5:34:04
